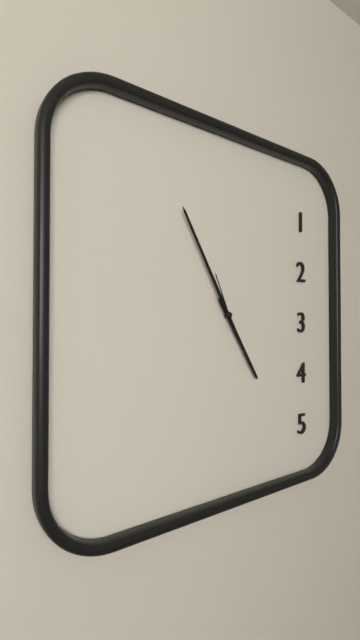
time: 4:55:56
